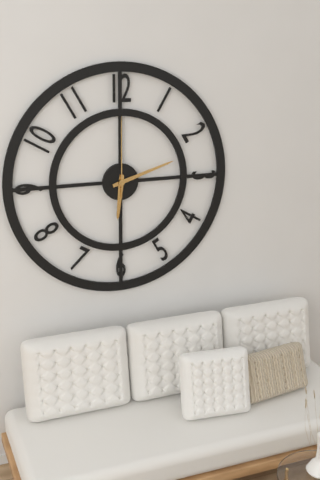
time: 6:12:00
